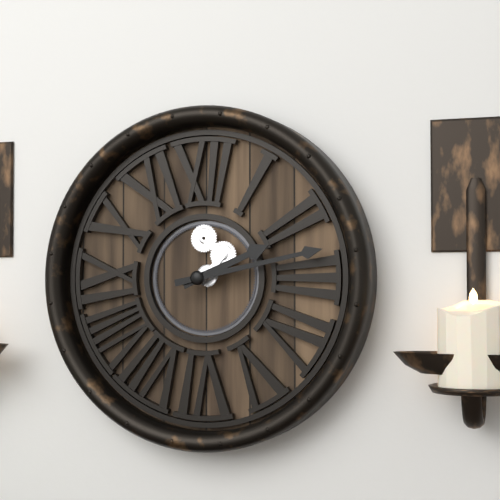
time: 2:13
